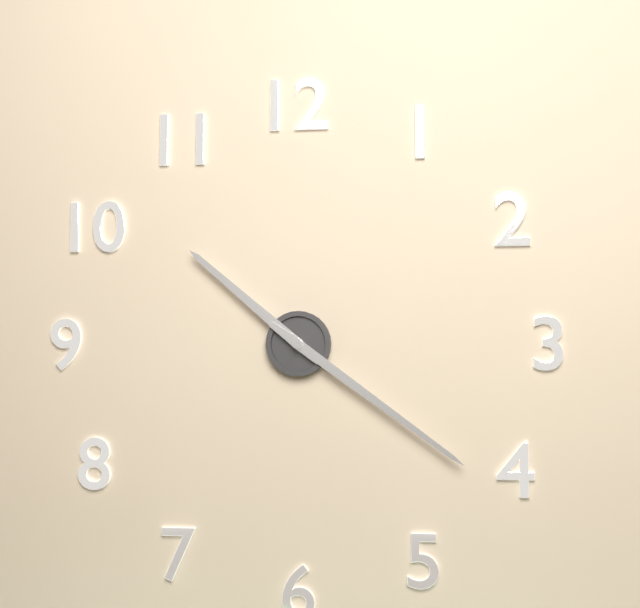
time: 10:21
